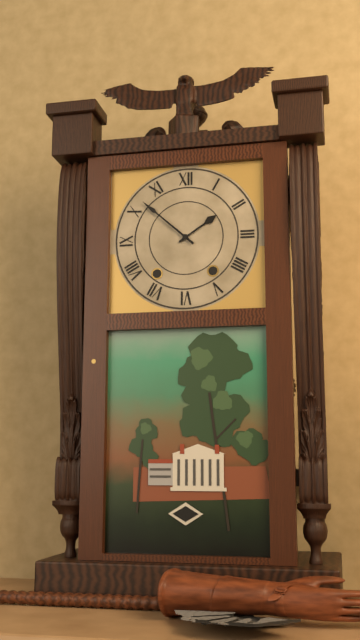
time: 1:52
